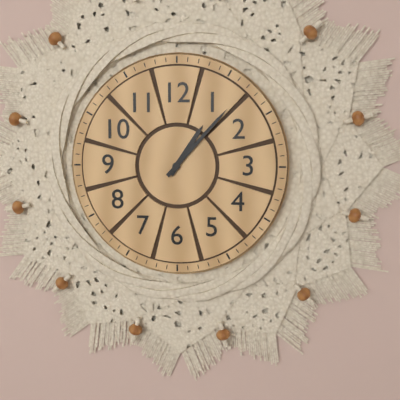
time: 1:07
